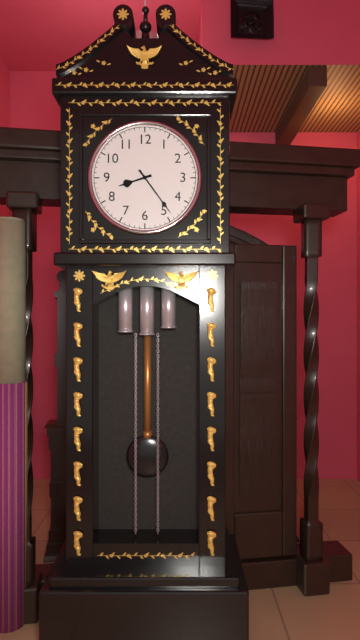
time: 8:24
